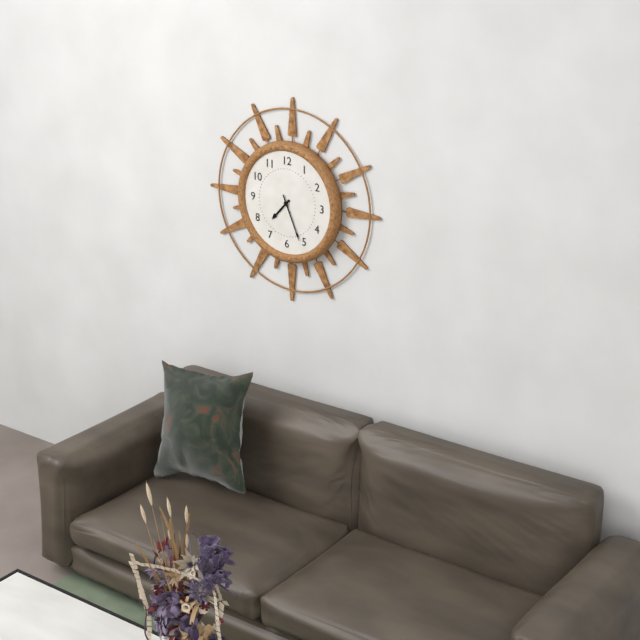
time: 7:26
